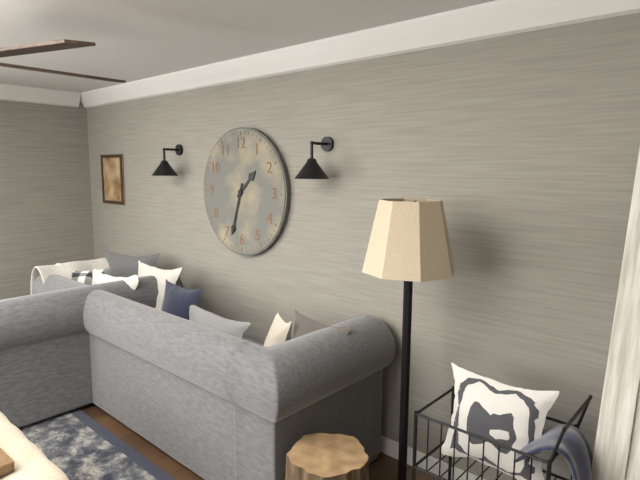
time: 1:33
